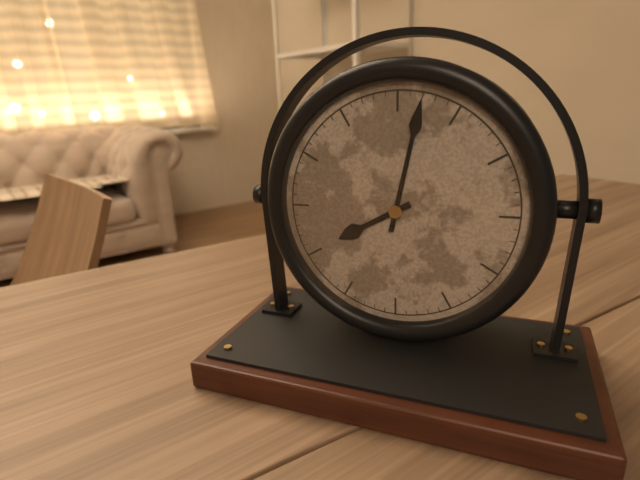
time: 8:02
